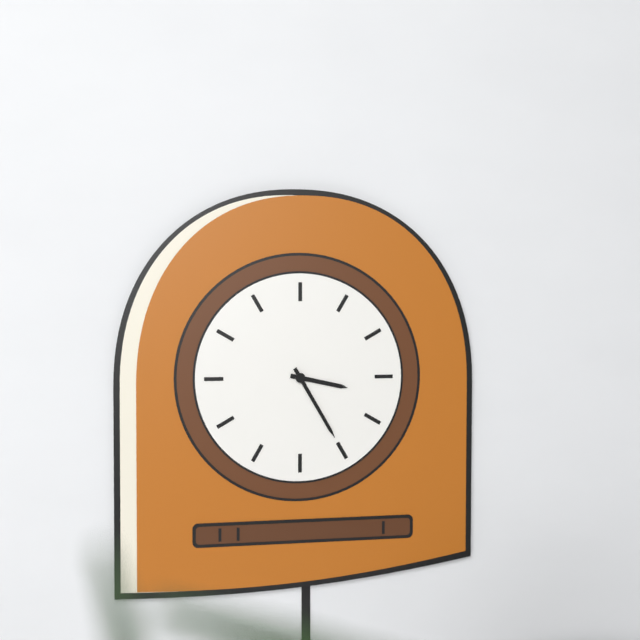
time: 3:25
